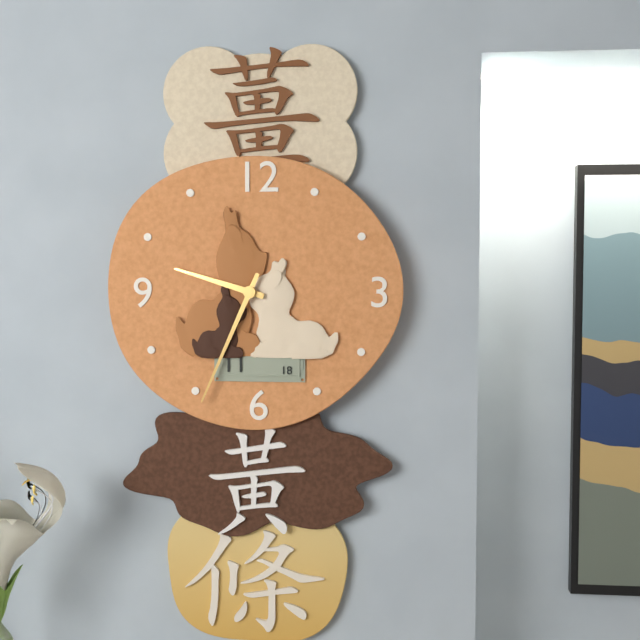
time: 9:34
